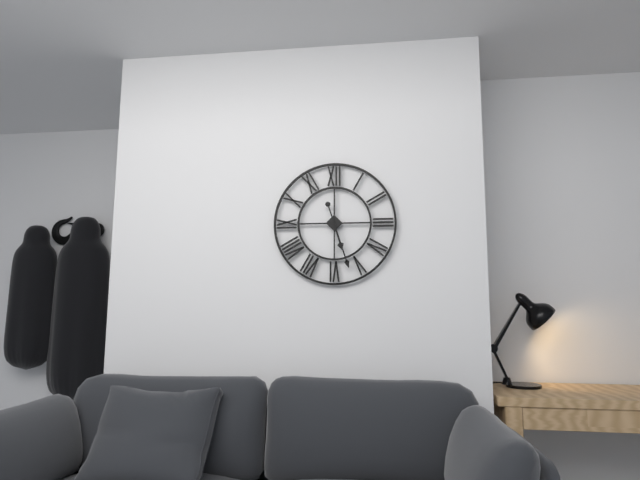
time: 5:27
